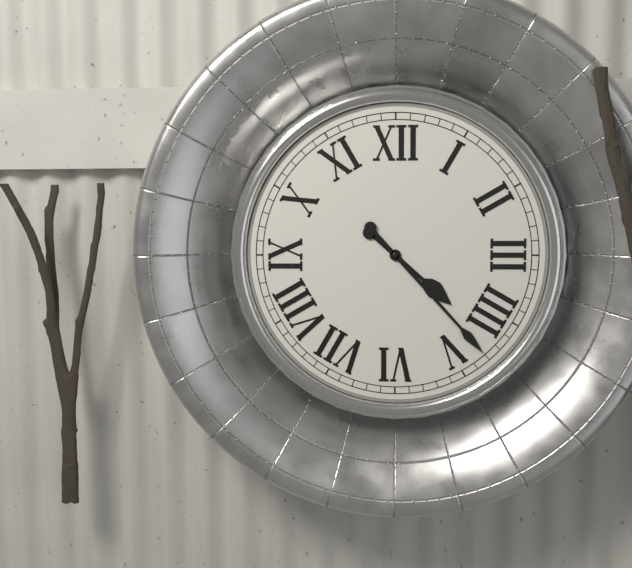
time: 4:23
